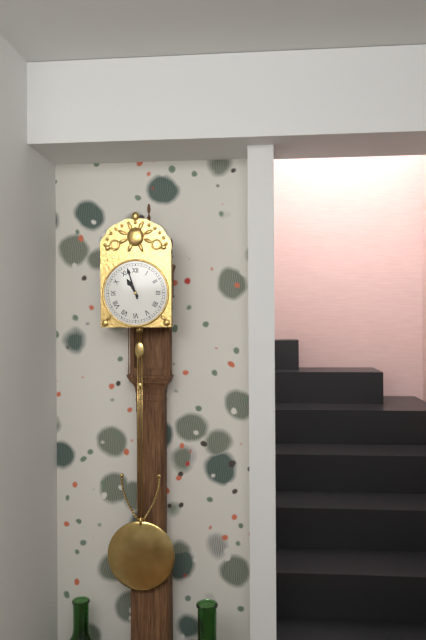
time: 10:57
